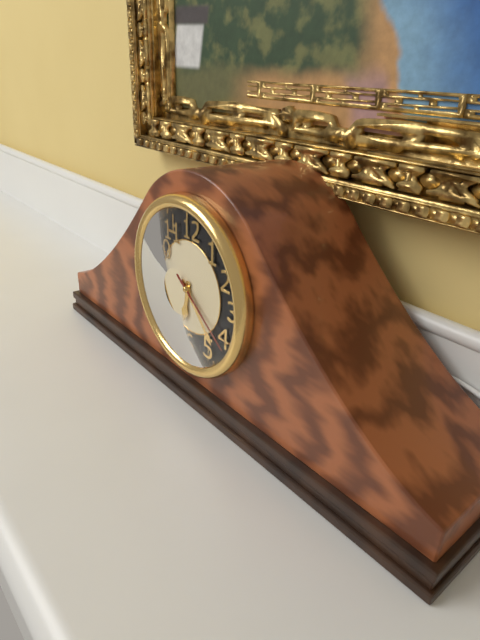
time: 6:23:21
